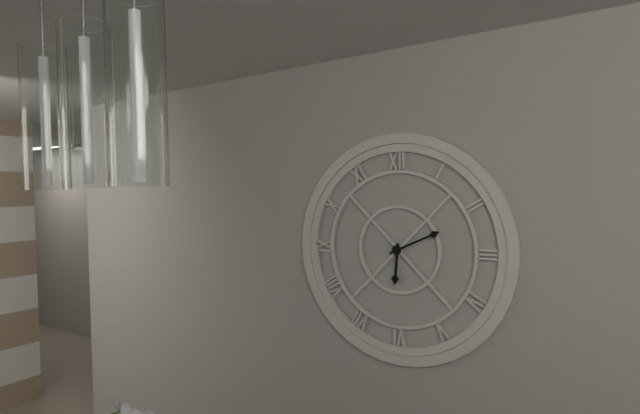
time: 6:11
